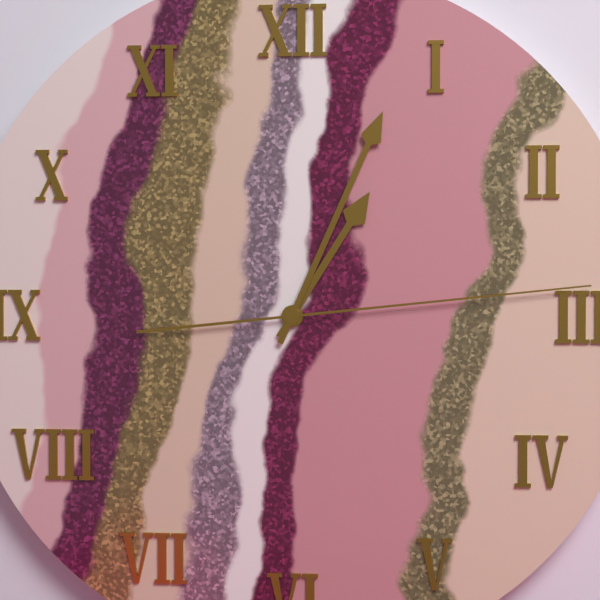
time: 1:04:14
